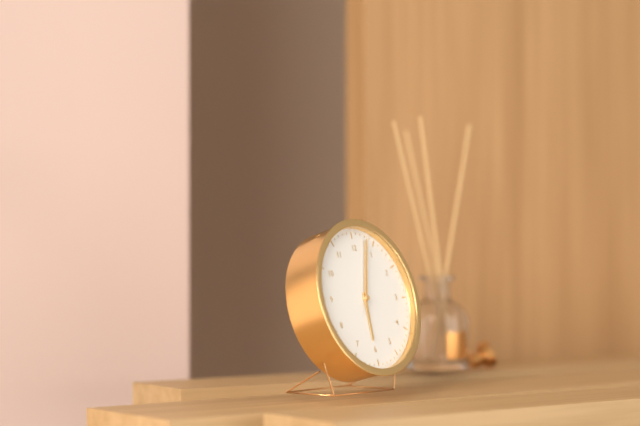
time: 6:03:03
